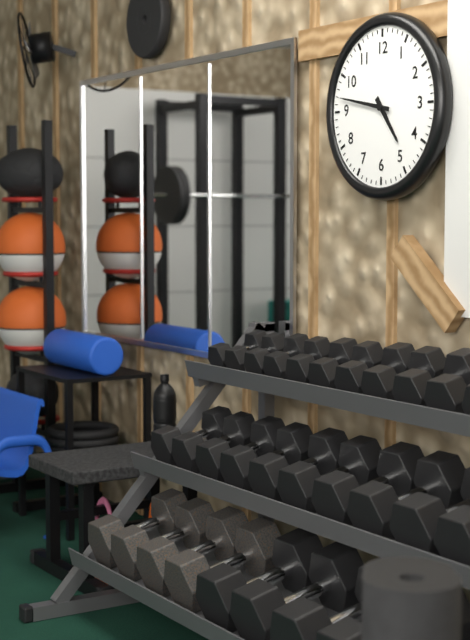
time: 4:47
